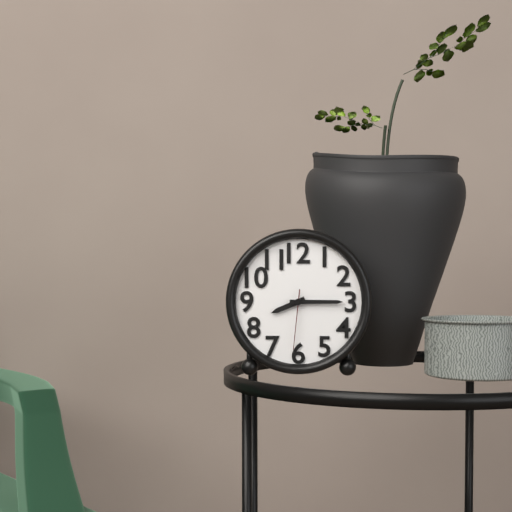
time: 8:15:31
